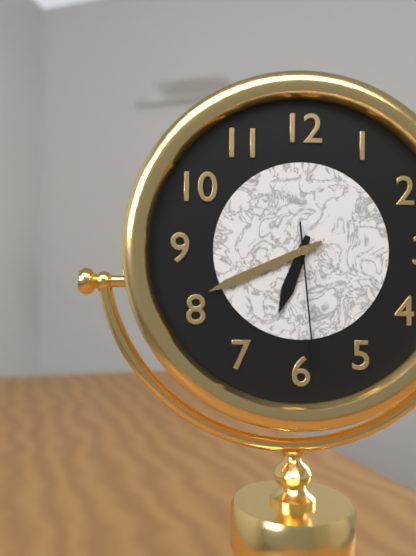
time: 6:41:29
